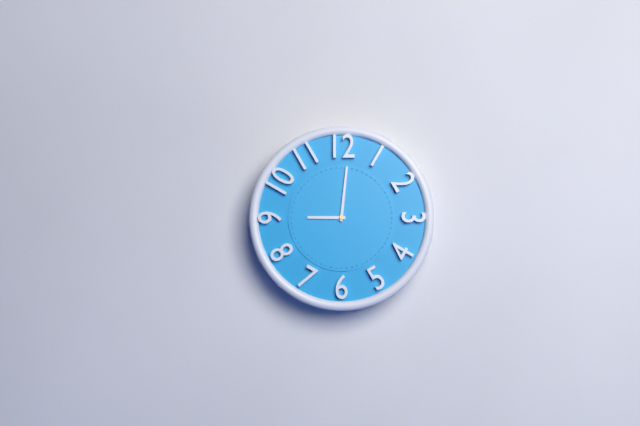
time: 9:01
